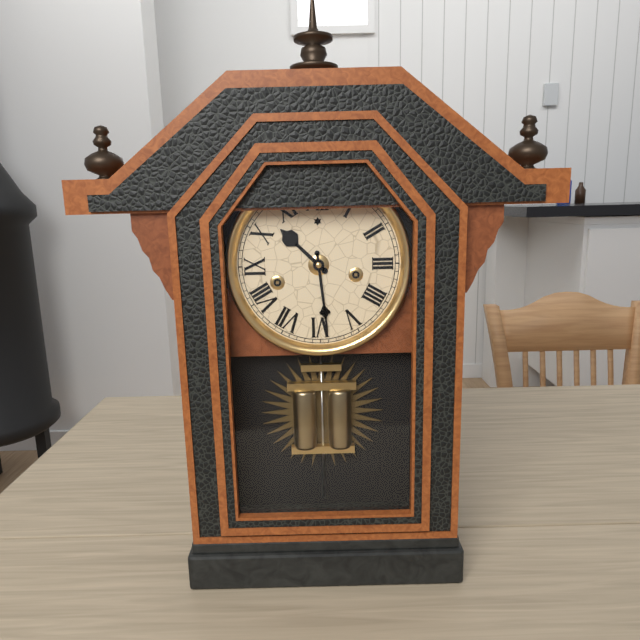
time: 10:29
